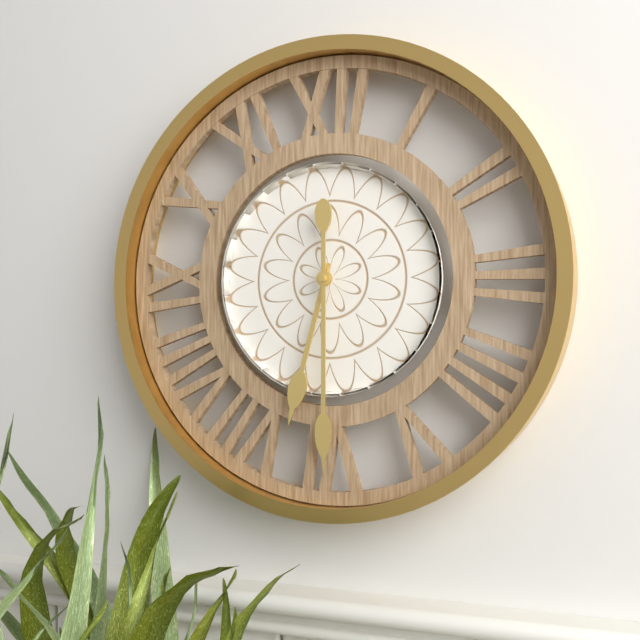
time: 6:30
